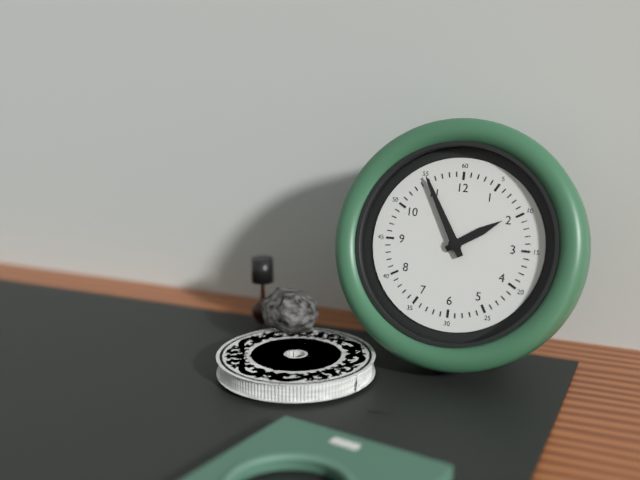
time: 1:55
